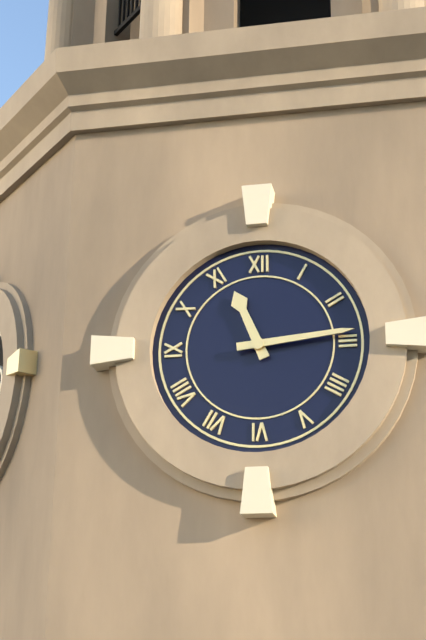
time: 11:14
